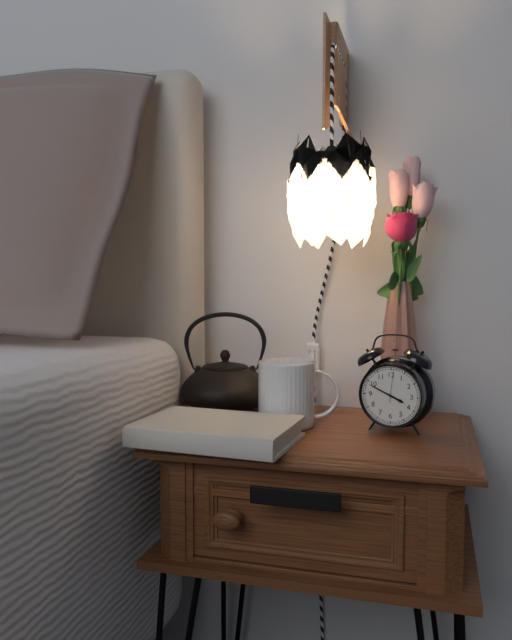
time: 3:49
